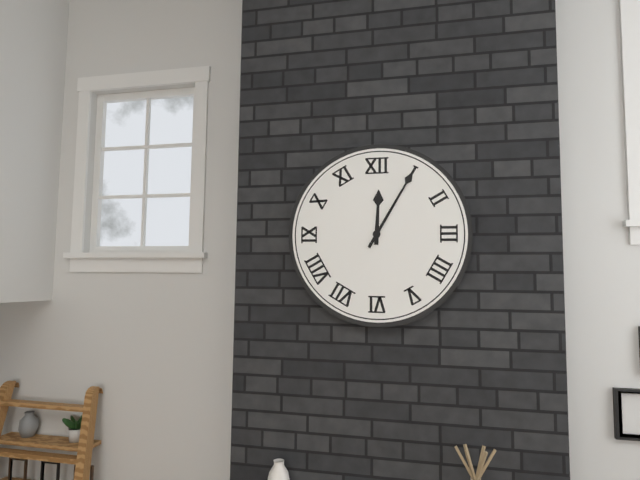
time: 12:05
